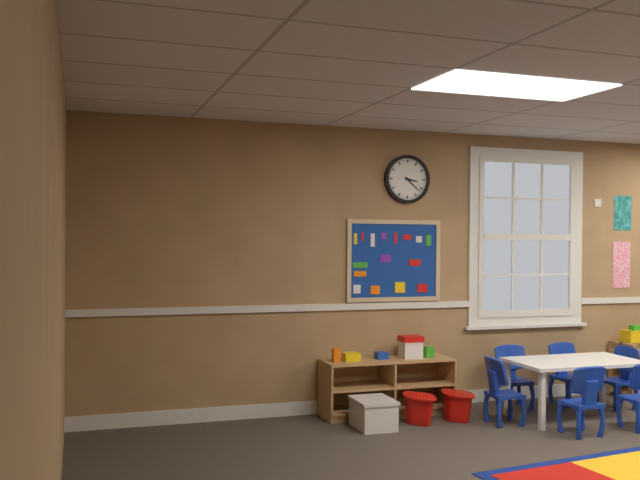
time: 3:22
